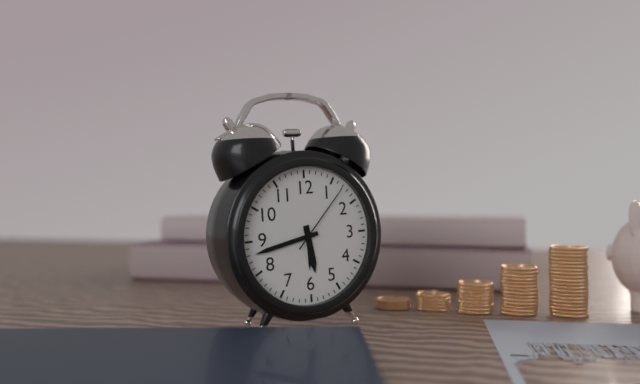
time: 5:43:07
